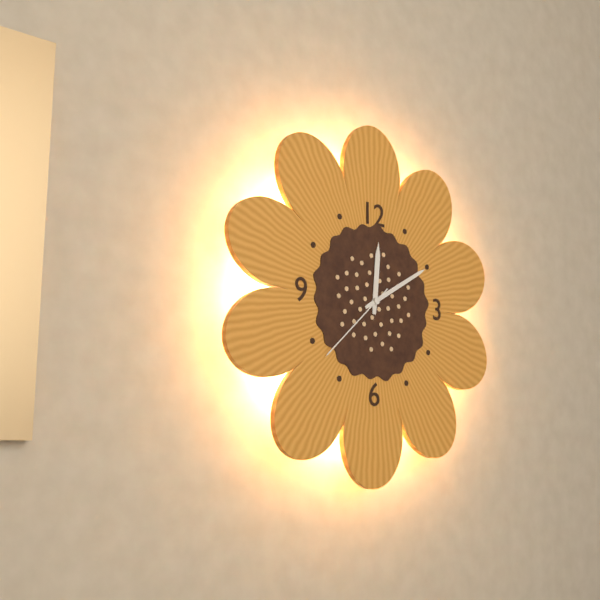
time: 12:10:38
